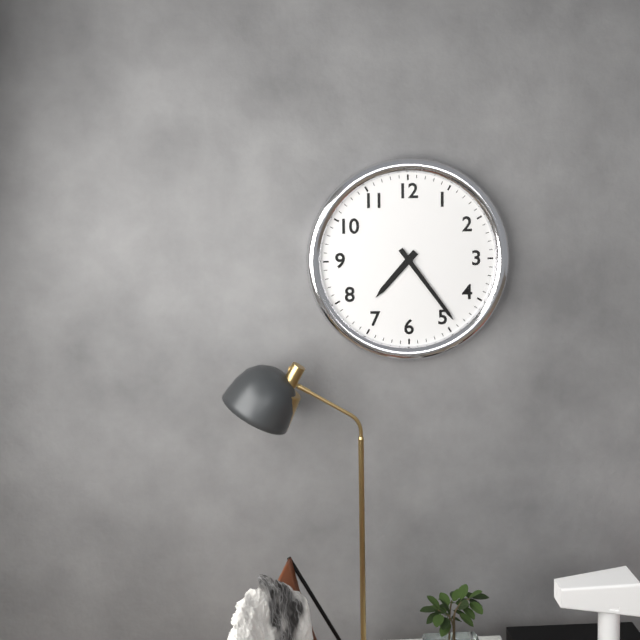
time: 7:24
